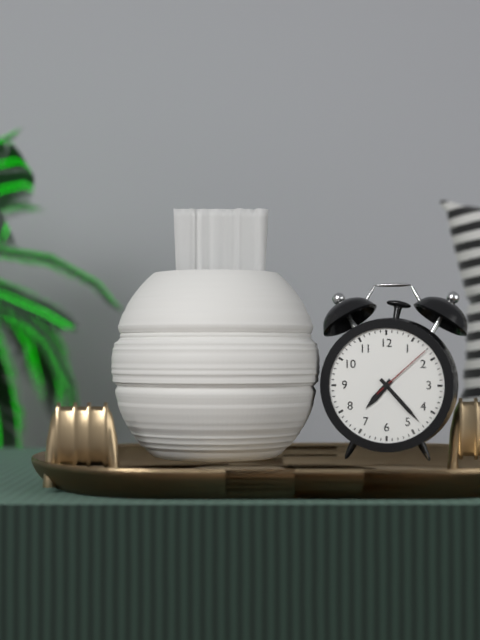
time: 7:23:08
